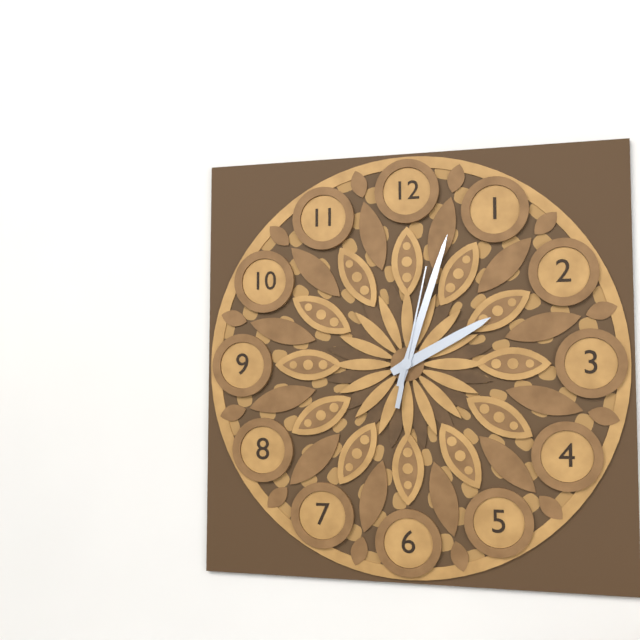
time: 2:03:02
